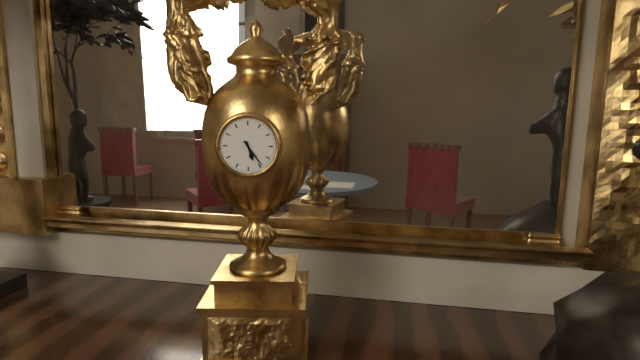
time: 5:24
